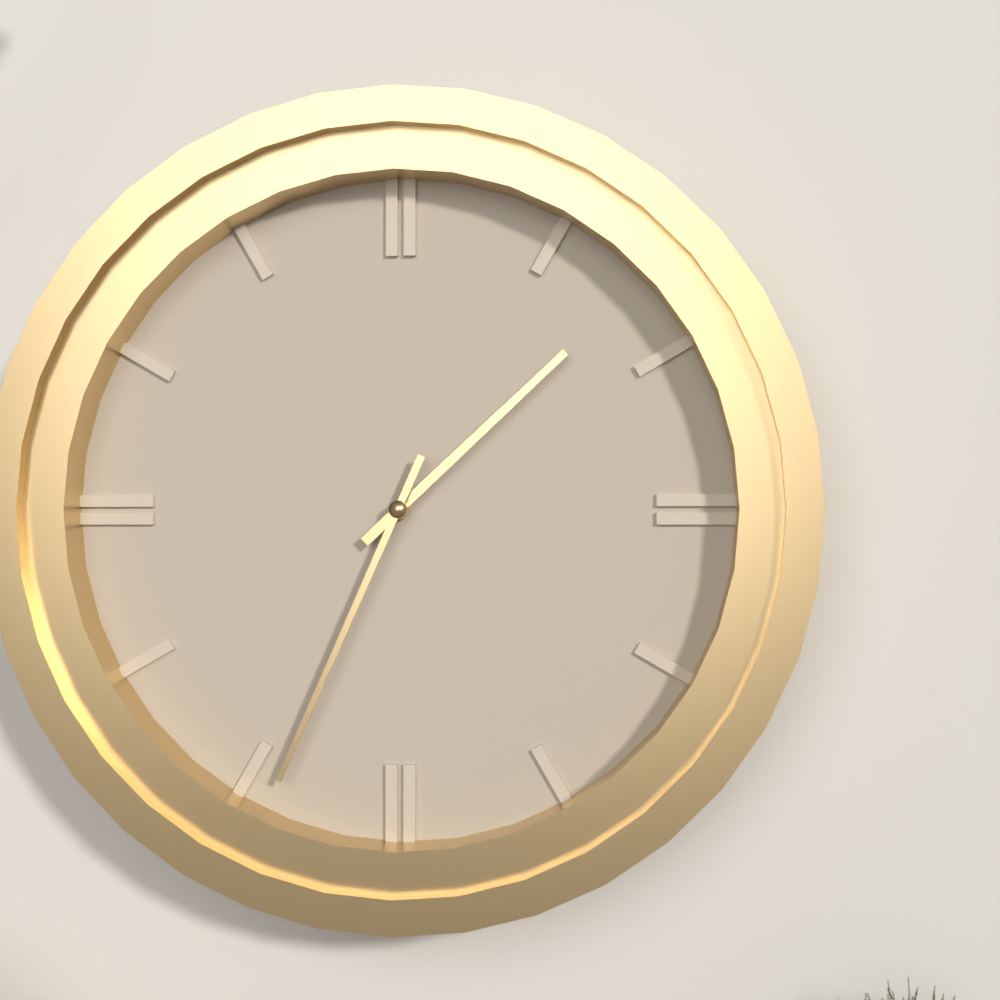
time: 1:34
